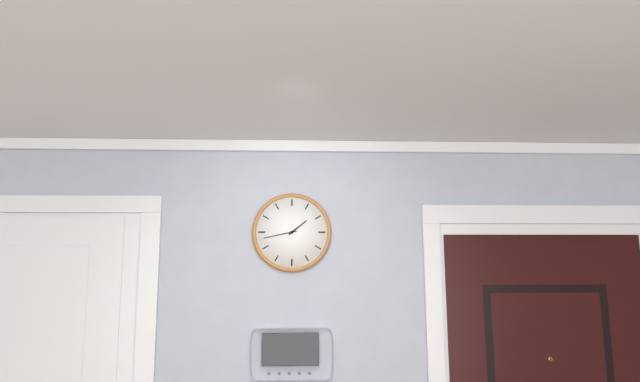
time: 1:43
